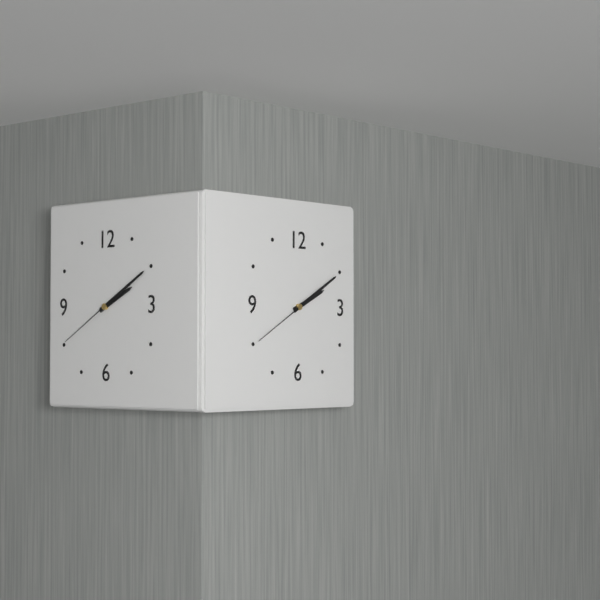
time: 2:10:40
